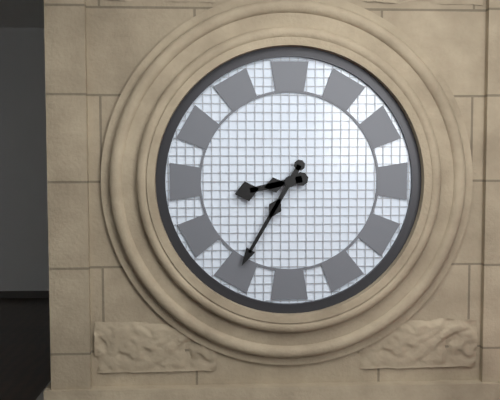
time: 8:35
